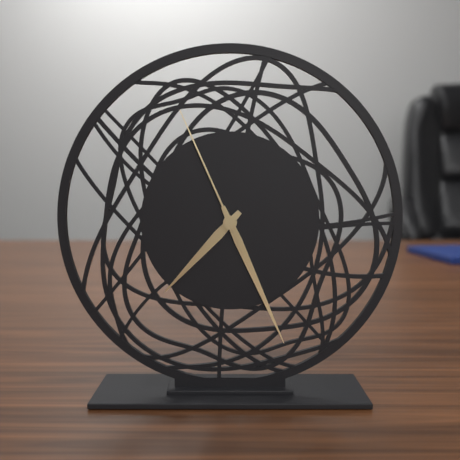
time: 7:26:56
